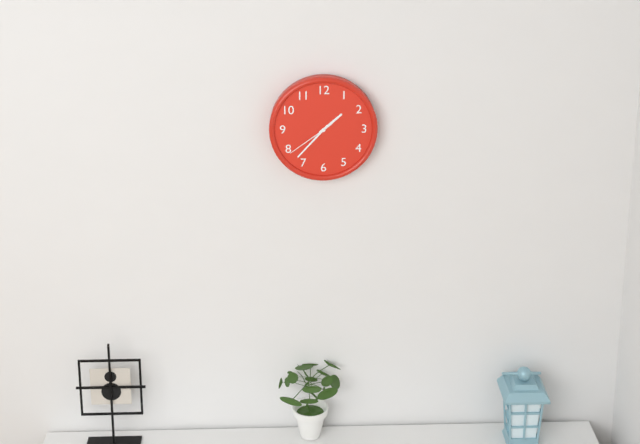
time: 1:37:39
